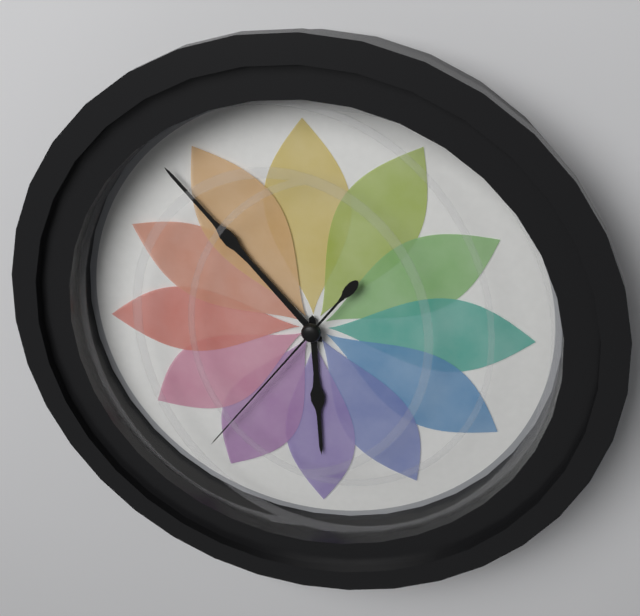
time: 5:53:36
